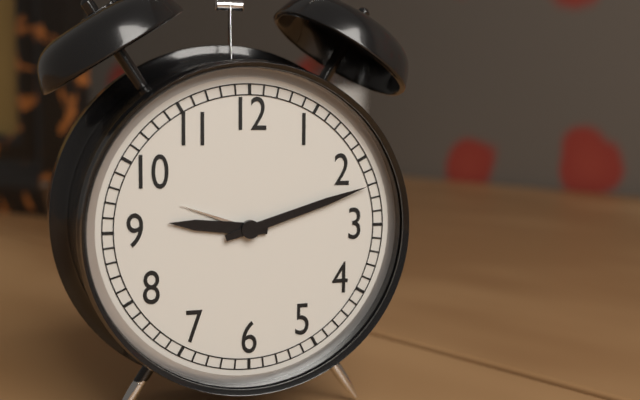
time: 9:12
